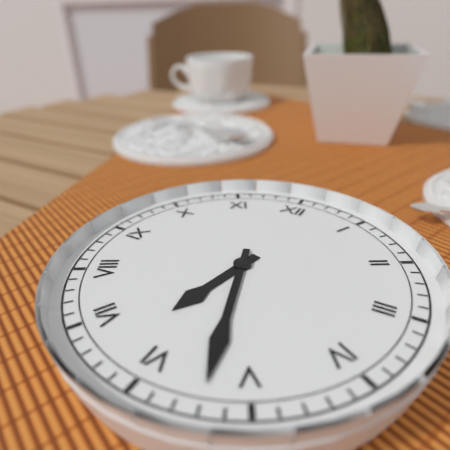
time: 6:27
